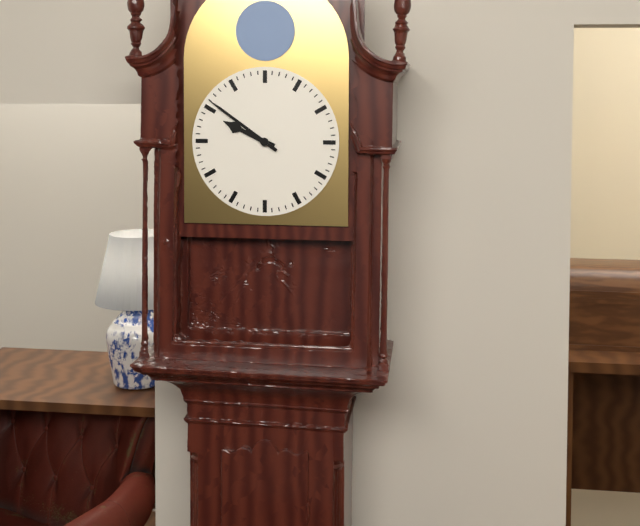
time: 9:51
